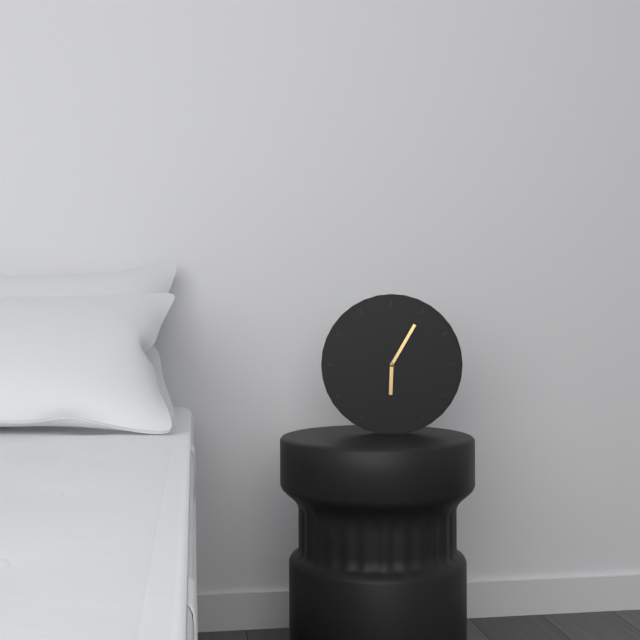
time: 6:05
